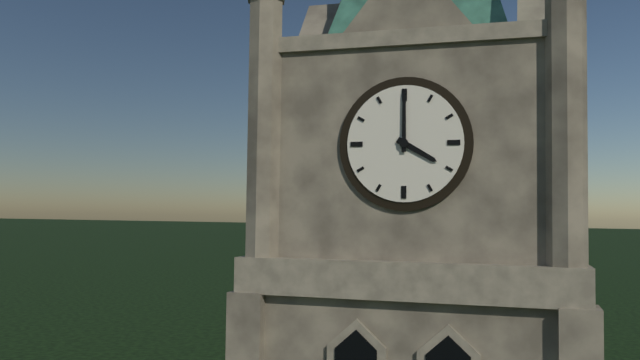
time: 4:00
